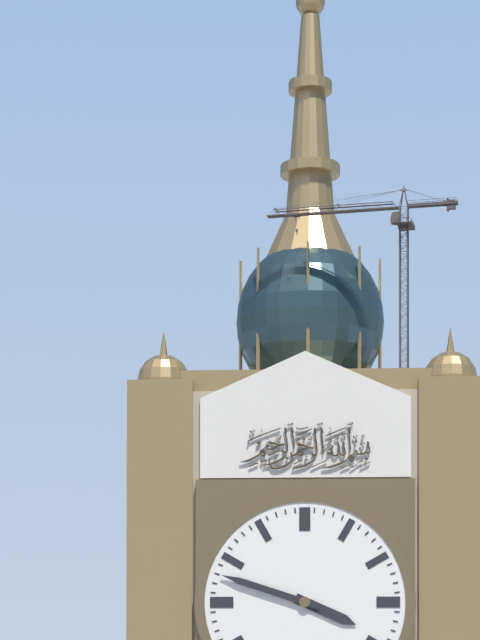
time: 3:48
